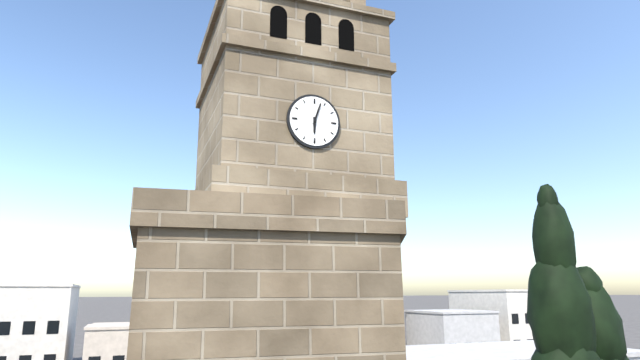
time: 6:03
